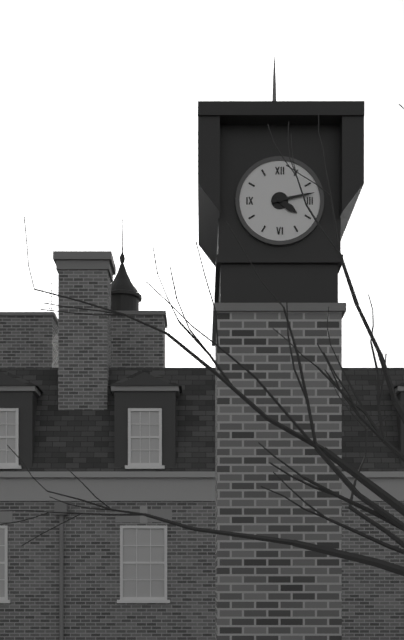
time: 4:13
